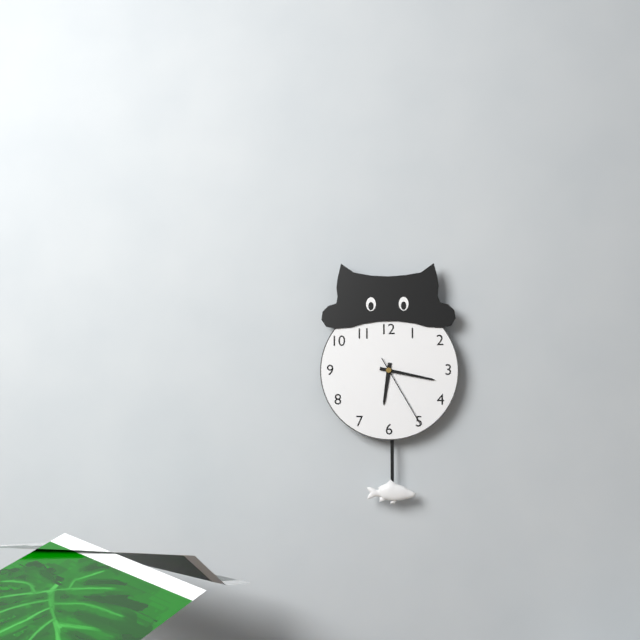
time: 6:17:25
